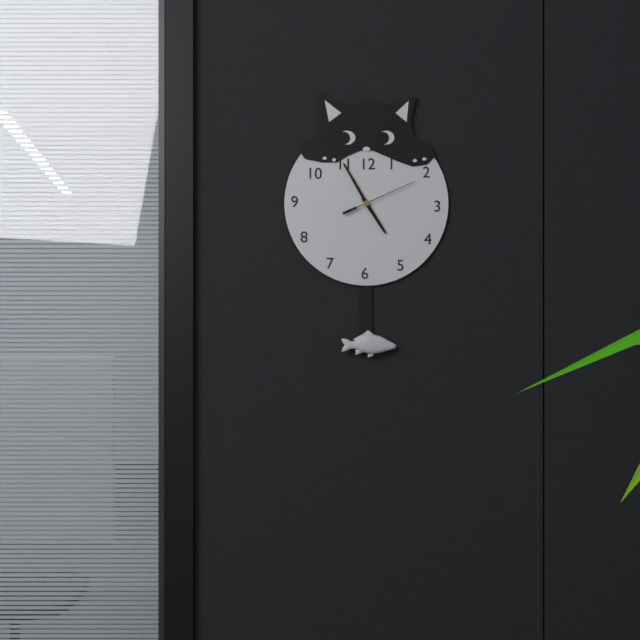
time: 4:55:11
